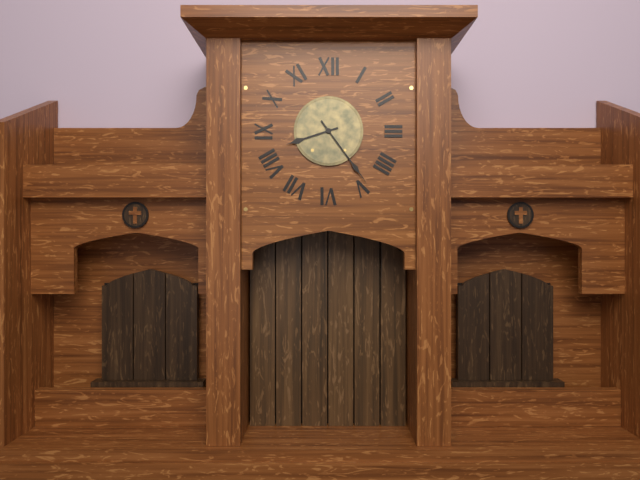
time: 8:24
